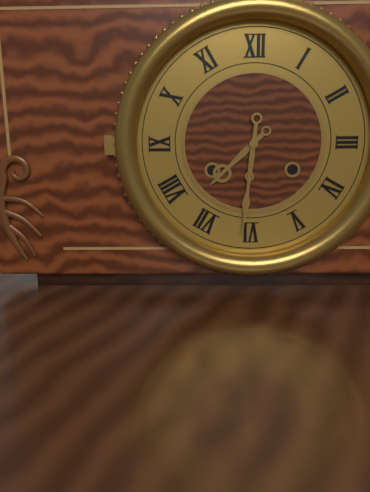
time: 7:31
